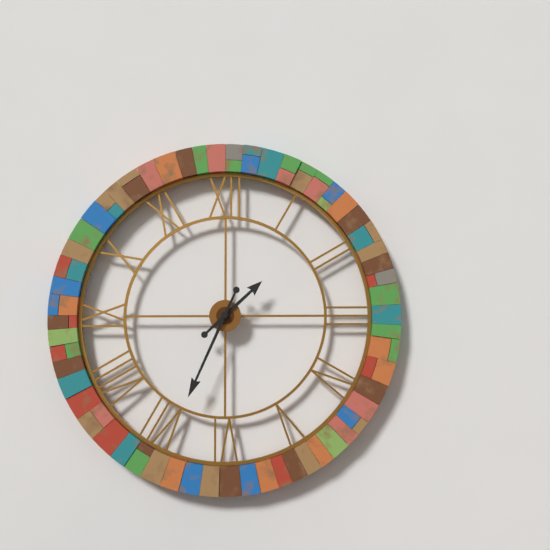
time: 1:34
